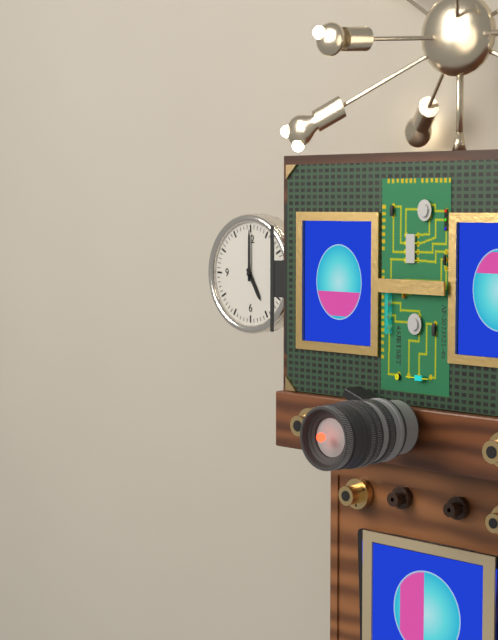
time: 5:00
